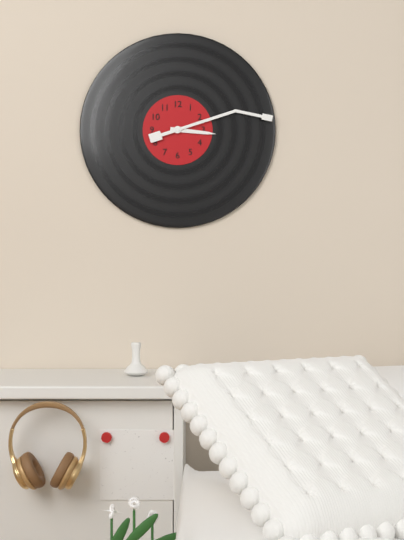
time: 3:12
